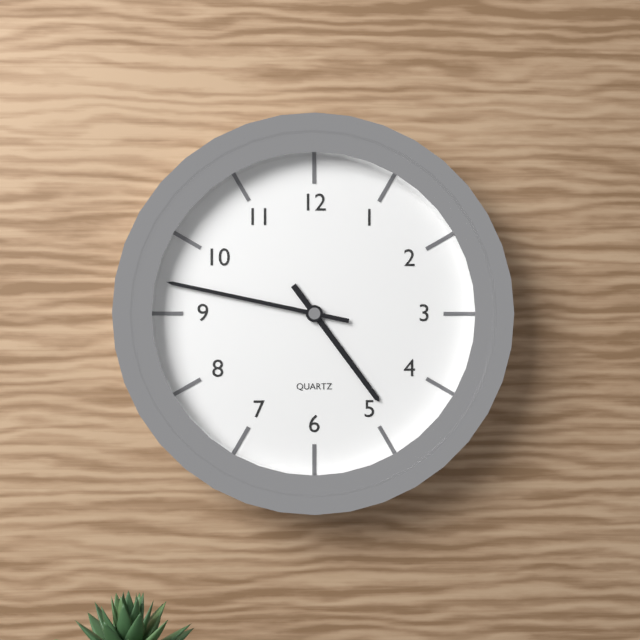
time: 4:47
